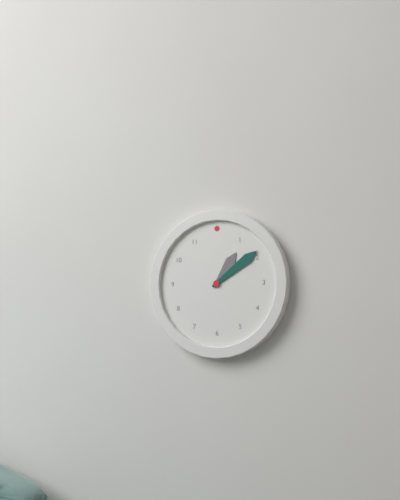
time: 1:09
